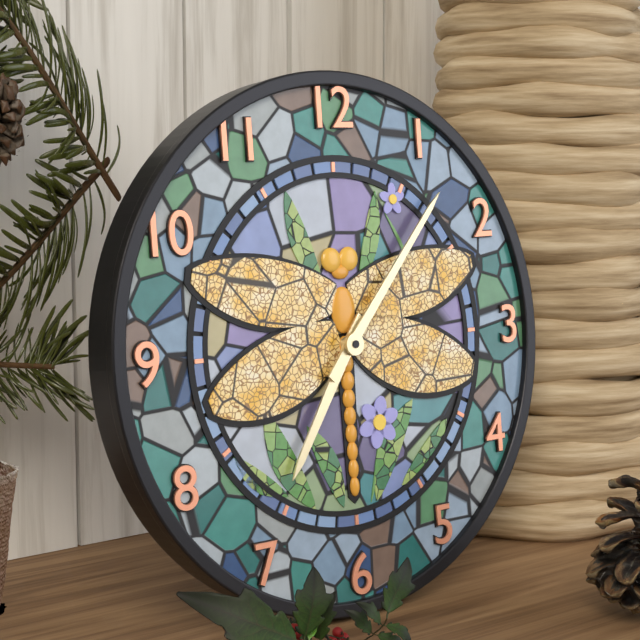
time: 7:07
